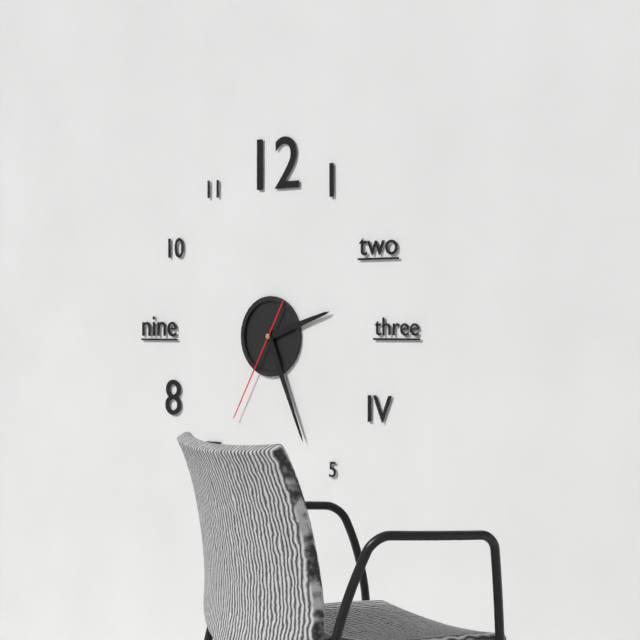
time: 2:26:35
